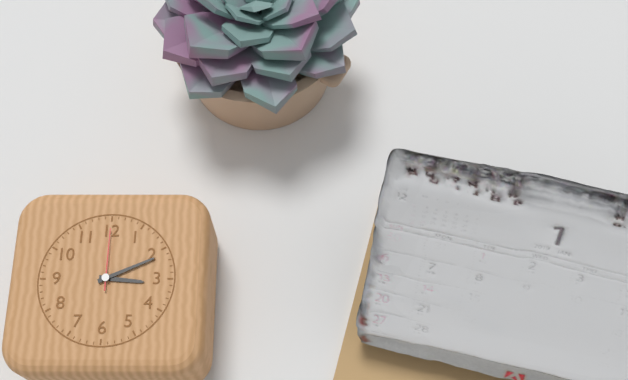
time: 3:11:00
